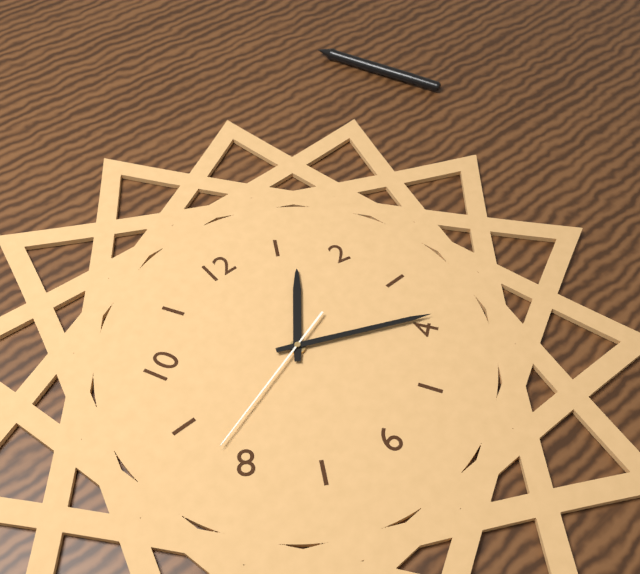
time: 1:19:42
